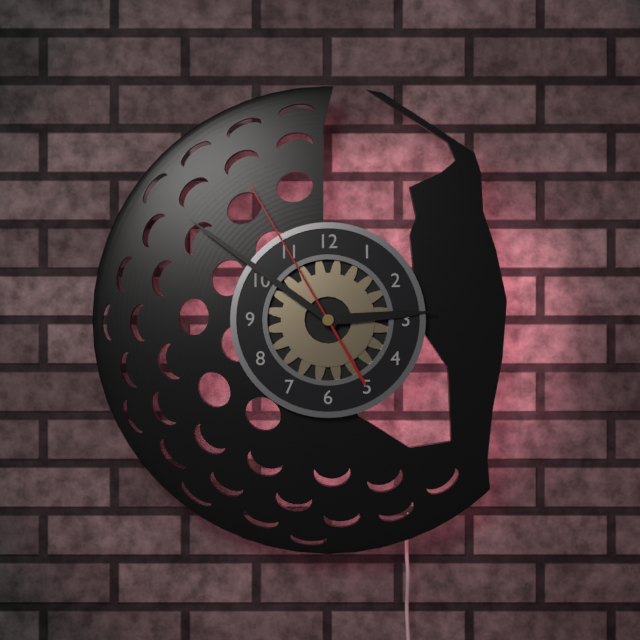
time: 2:51:55
